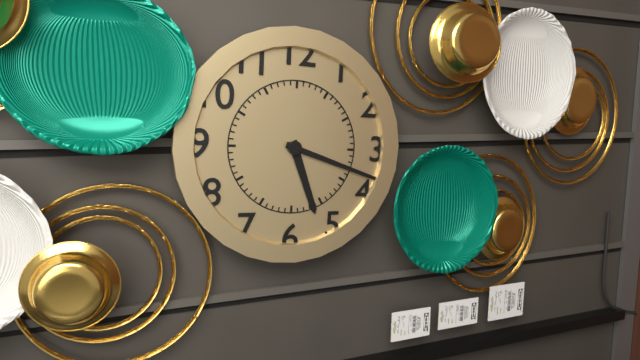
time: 5:18
